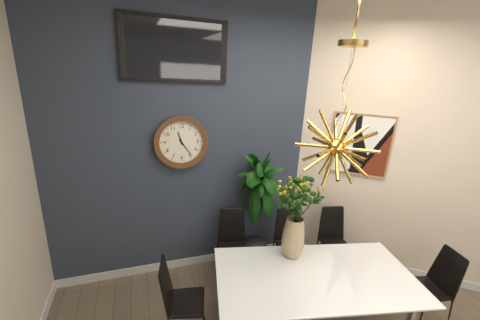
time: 11:24
